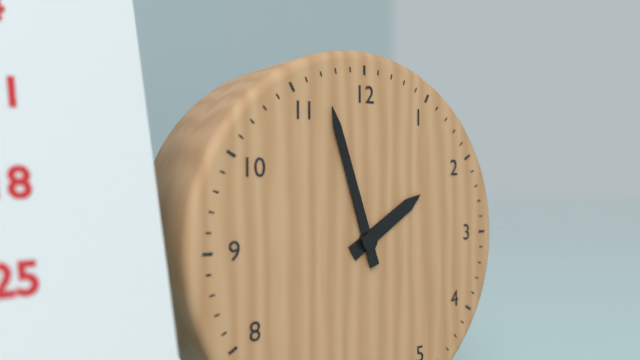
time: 1:57
